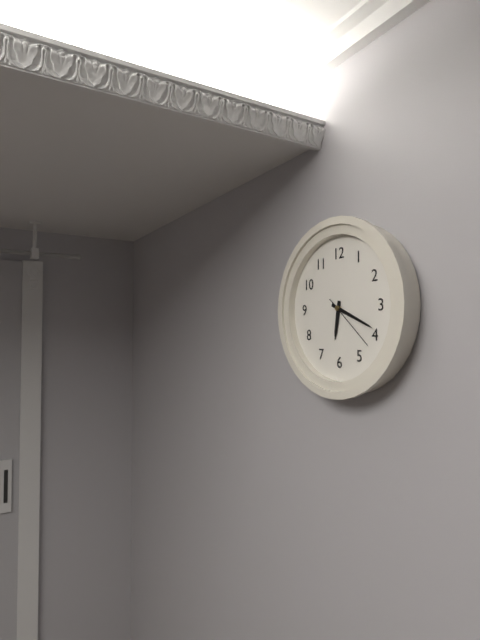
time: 6:19:22
